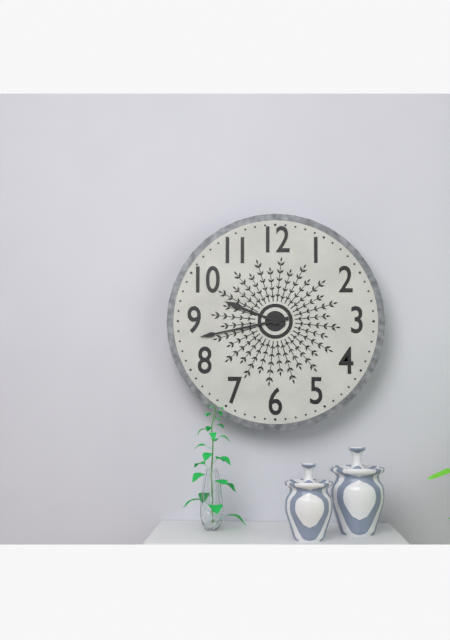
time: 9:43
